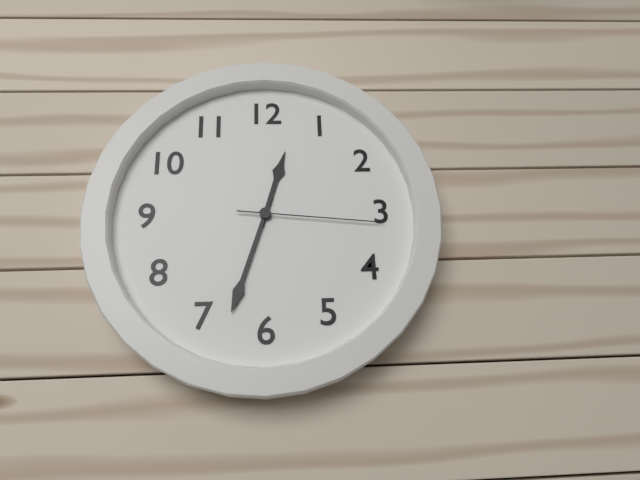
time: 12:33:16
